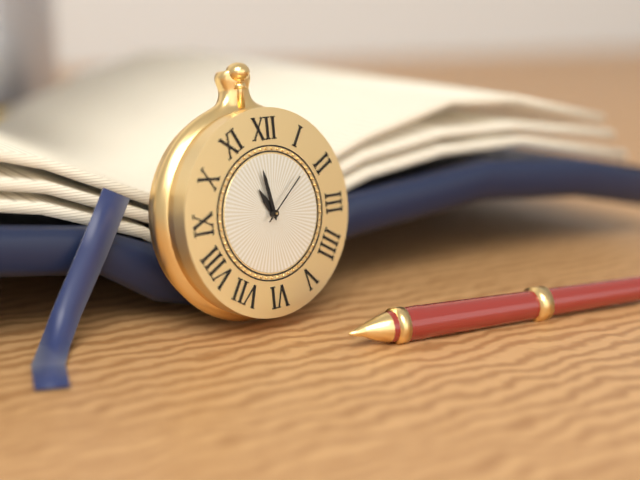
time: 10:58:08
